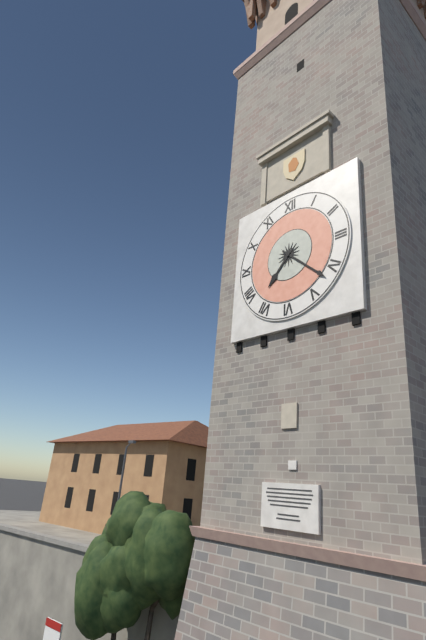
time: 7:22
